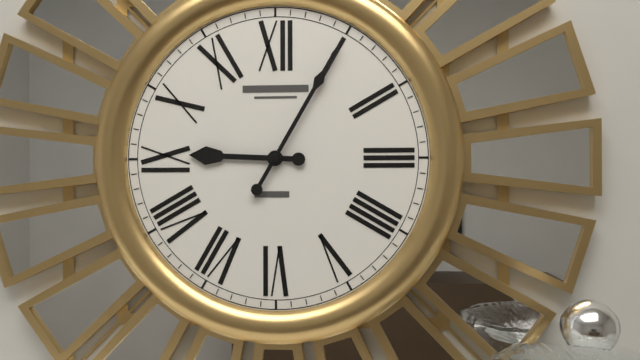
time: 9:05
